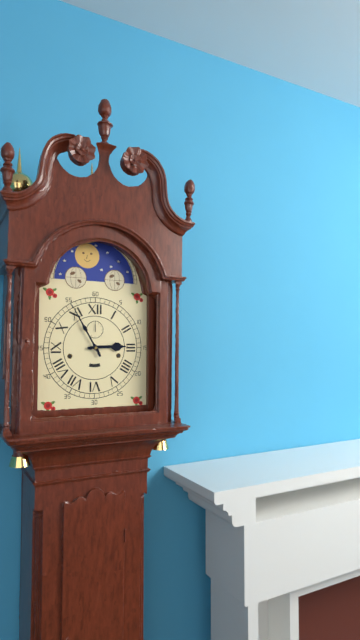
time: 2:55
